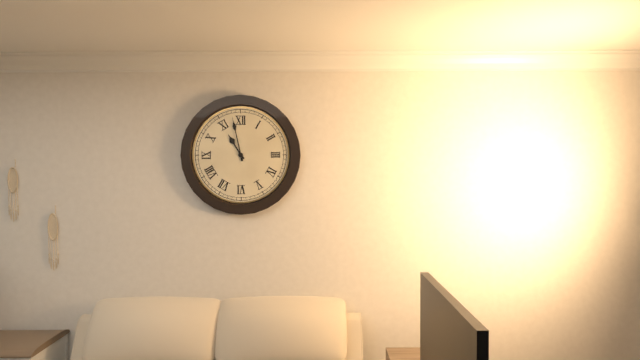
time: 10:58
